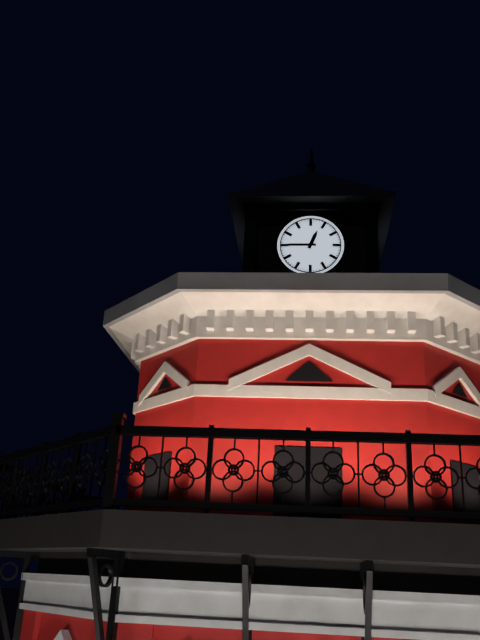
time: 12:45
